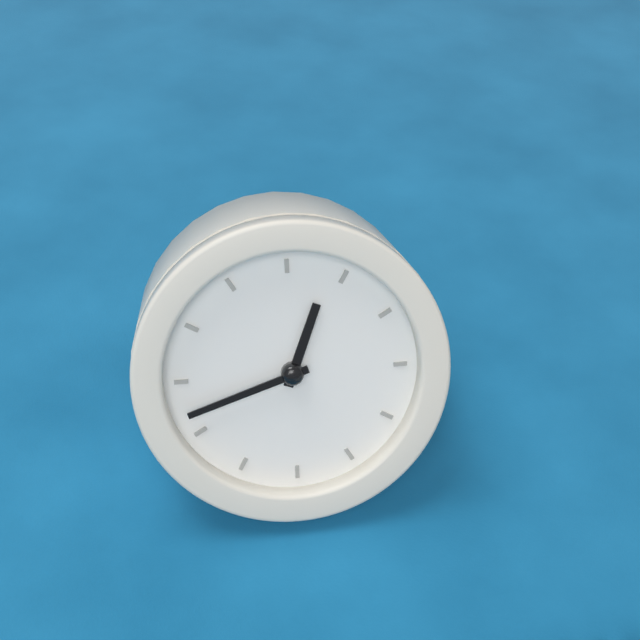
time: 12:42
